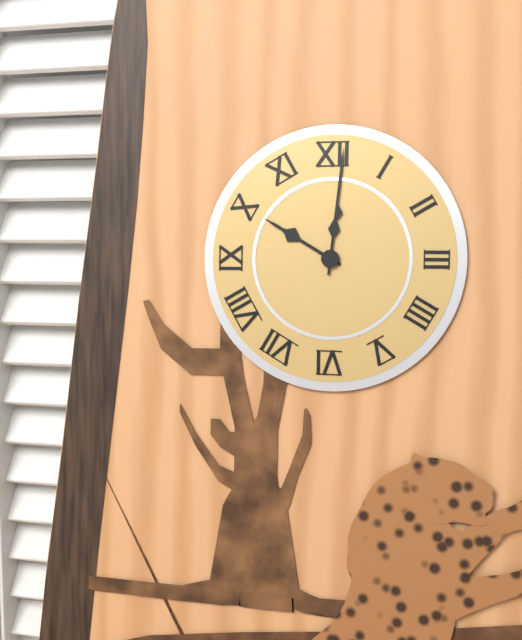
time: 10:01
